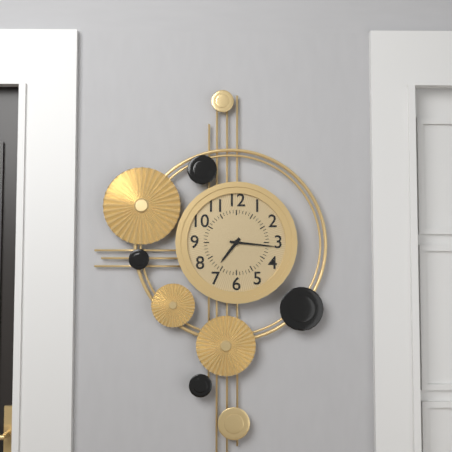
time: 7:16
